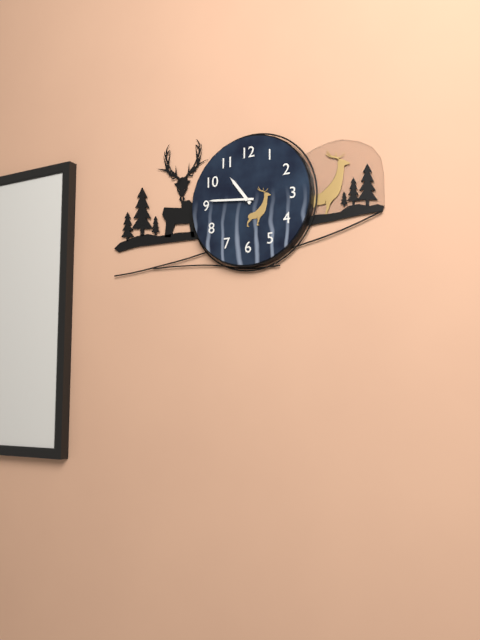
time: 10:46
